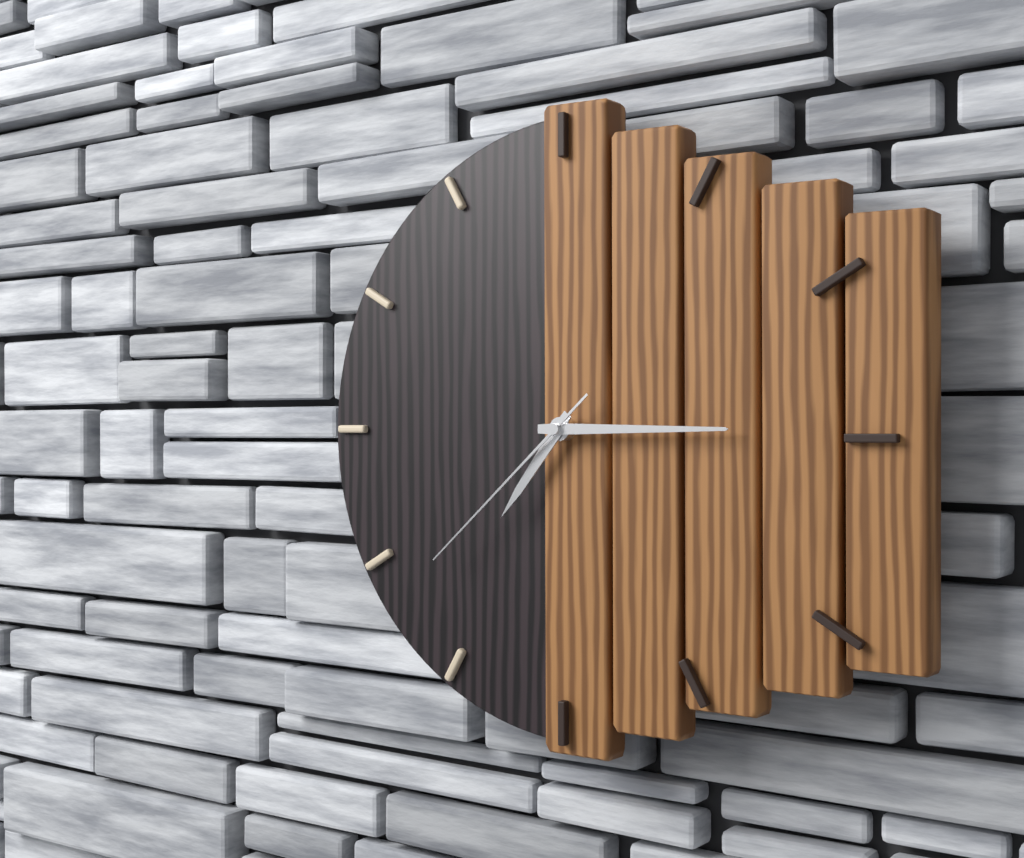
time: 7:15:38
